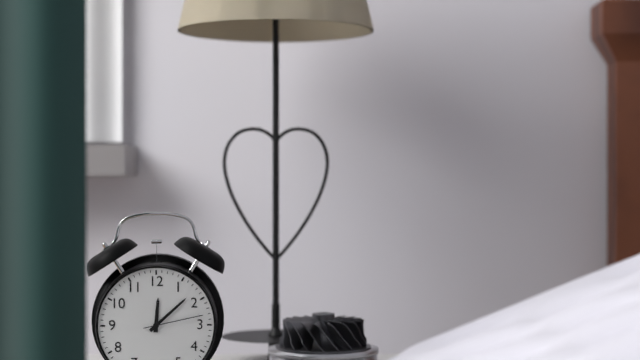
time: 12:08:13
